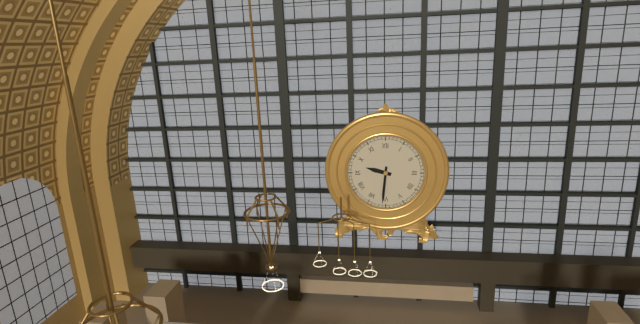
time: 9:31
